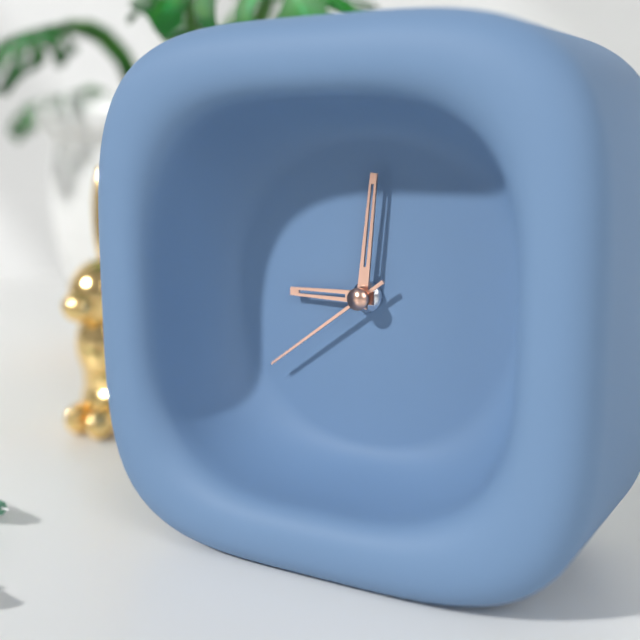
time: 9:01:39
